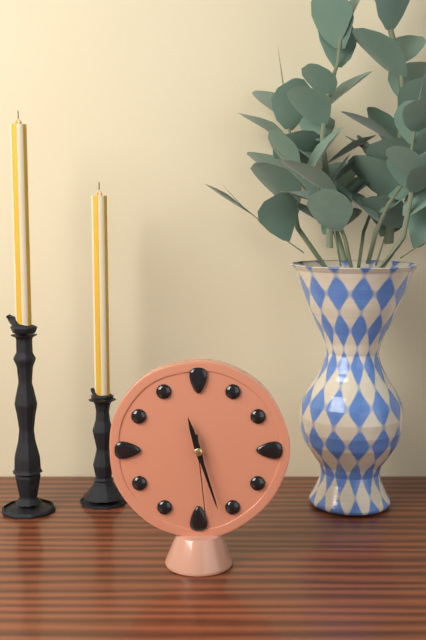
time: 11:27:29
